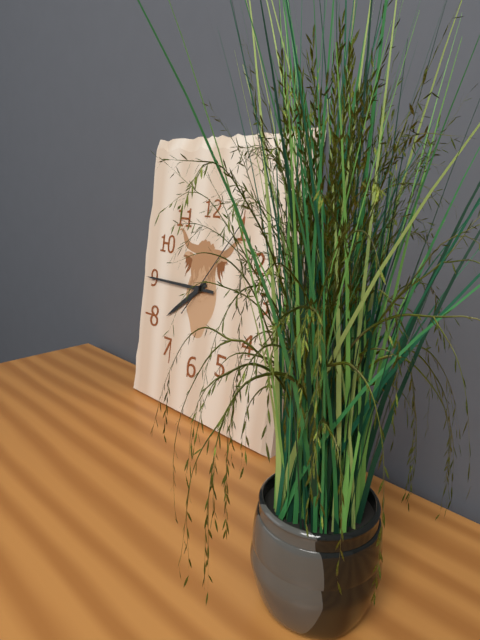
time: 7:45:06
